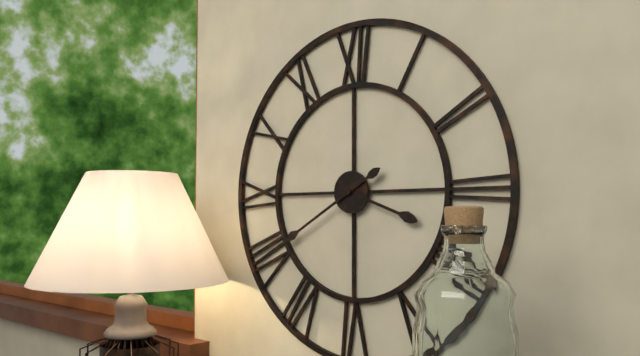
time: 3:40
